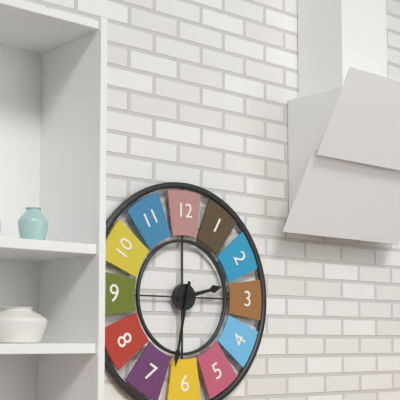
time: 2:32
